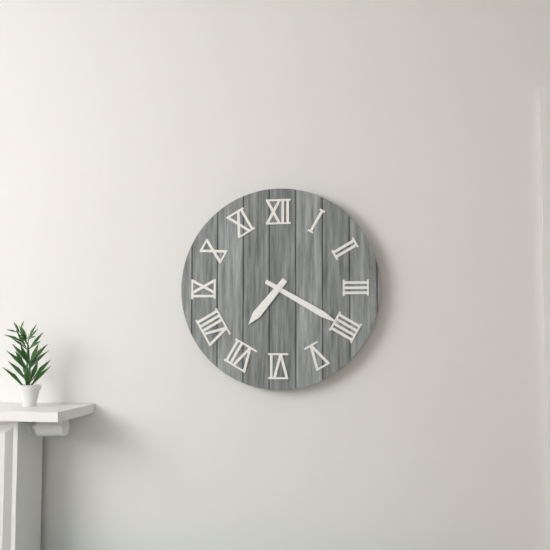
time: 7:20
